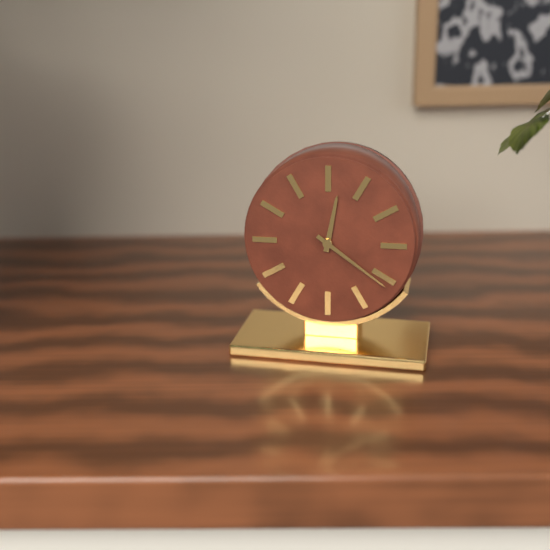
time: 12:21
